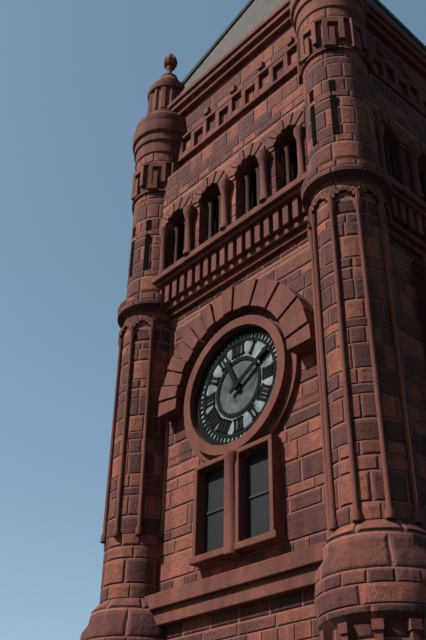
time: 11:10
